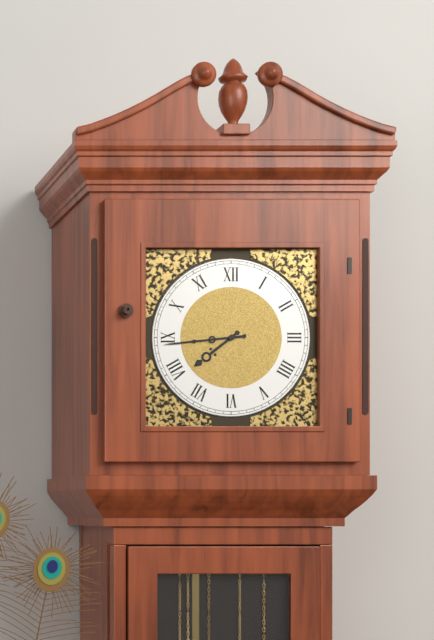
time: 7:44
